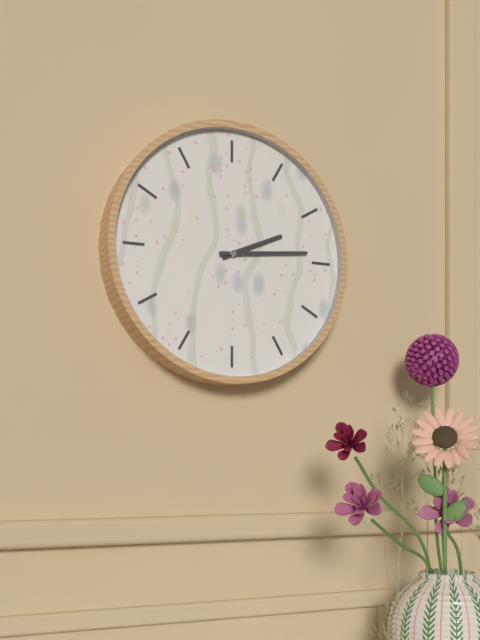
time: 2:14
